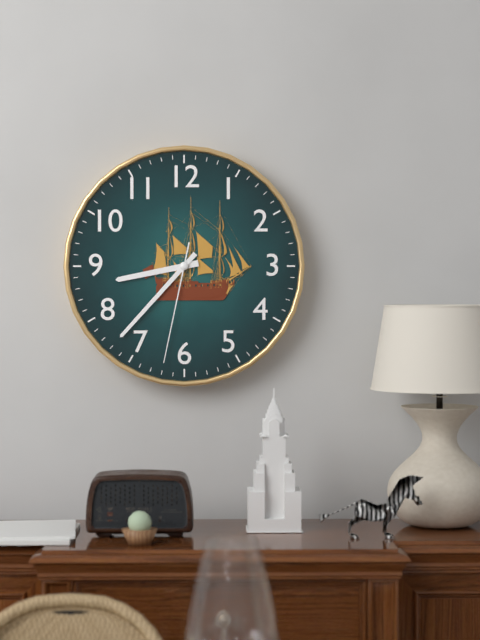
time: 8:37:32
